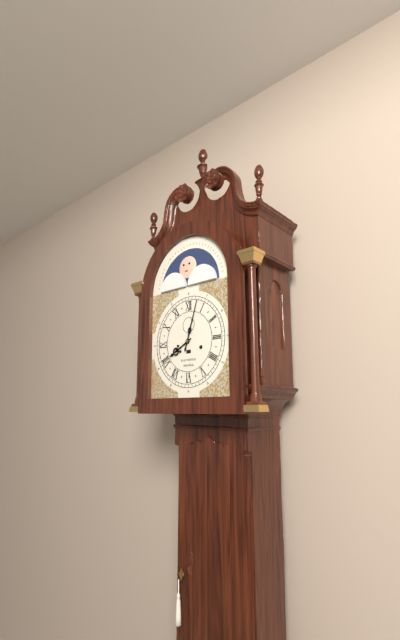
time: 8:03
